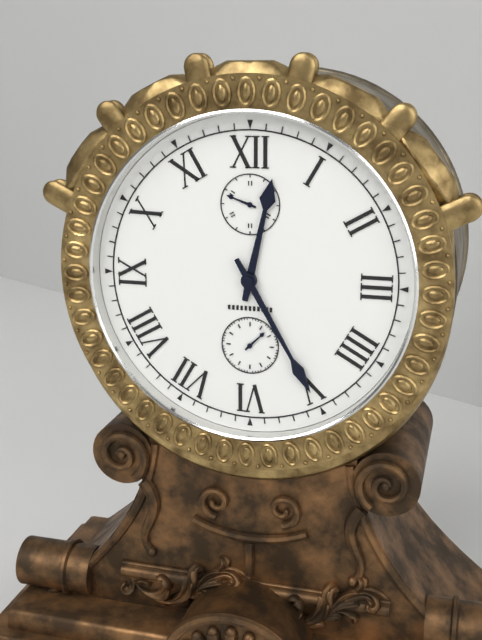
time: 12:25
